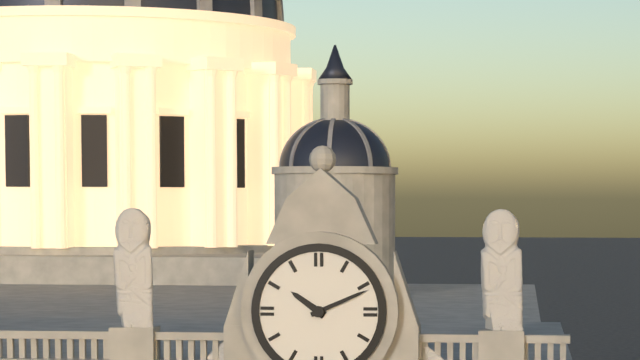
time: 10:11
